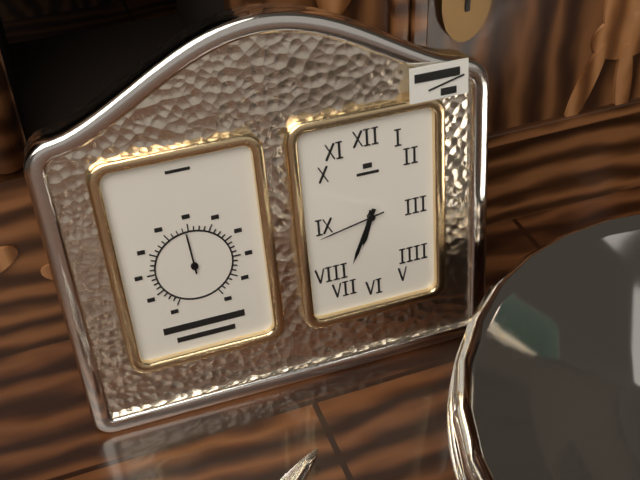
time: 6:34:43
